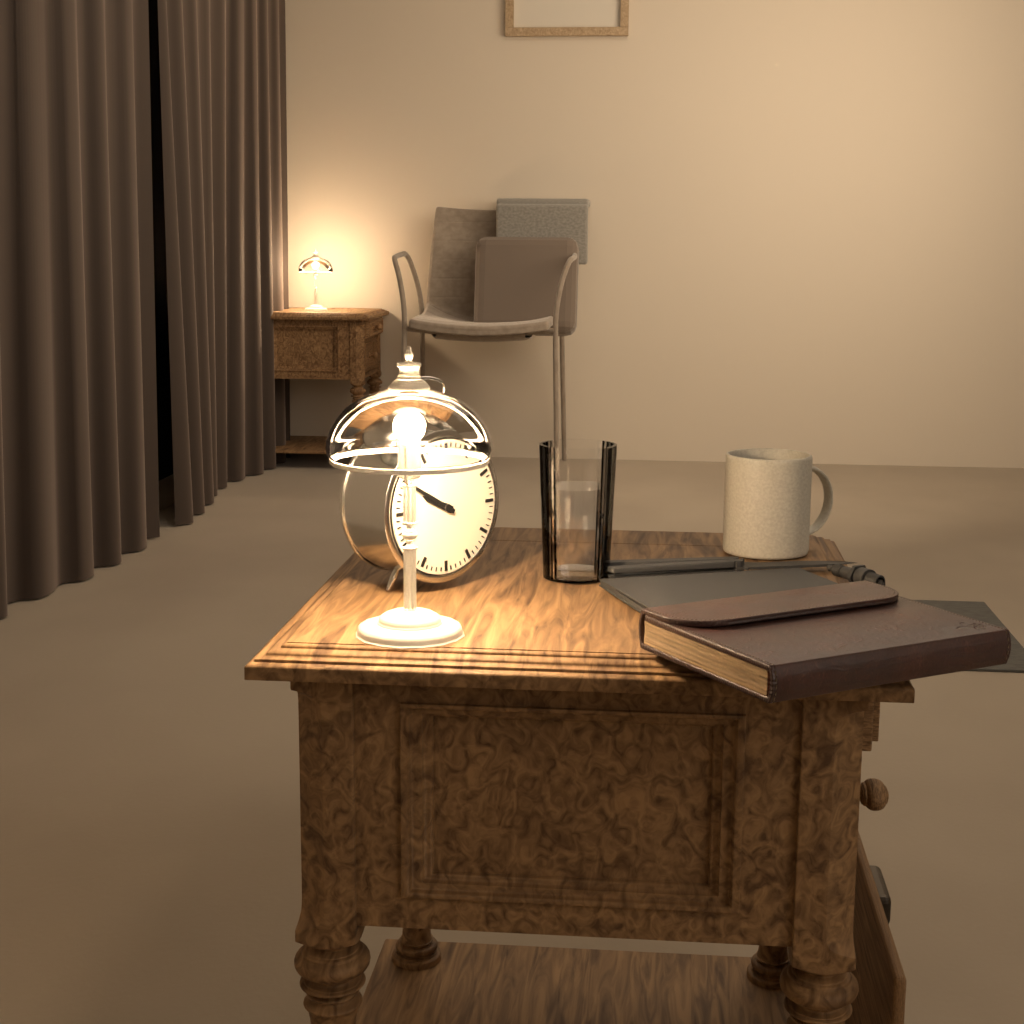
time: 9:50
